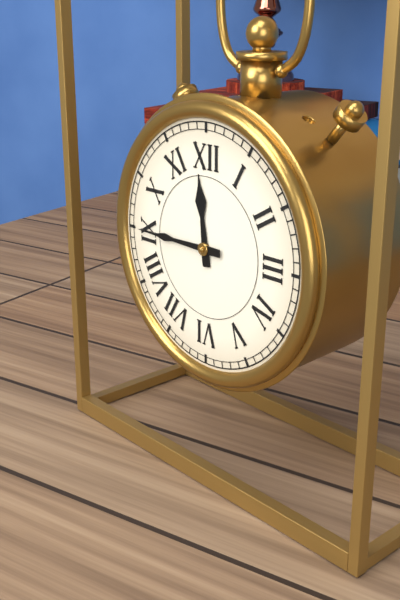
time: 11:45
